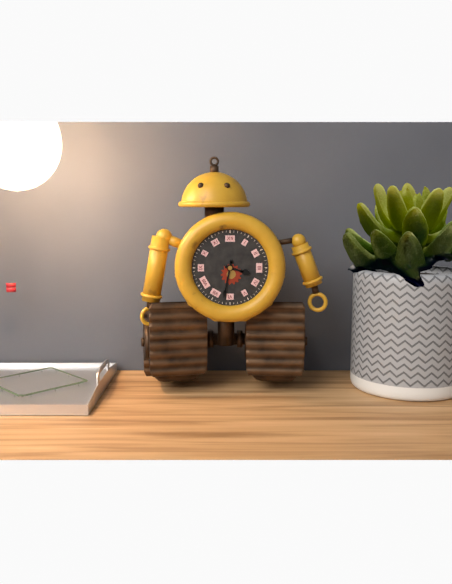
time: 3:32
